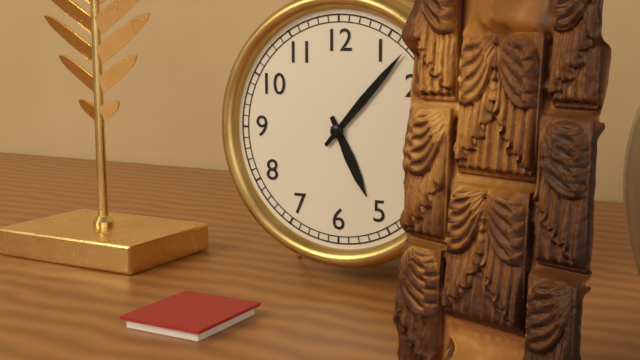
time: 5:07
